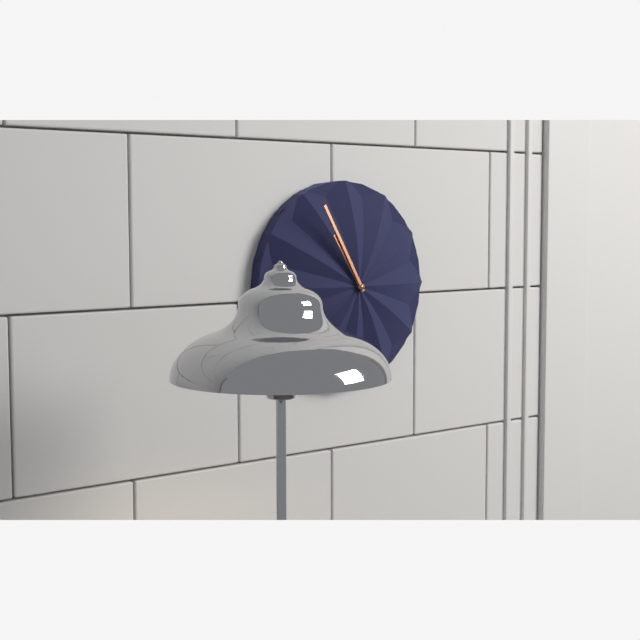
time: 10:55
